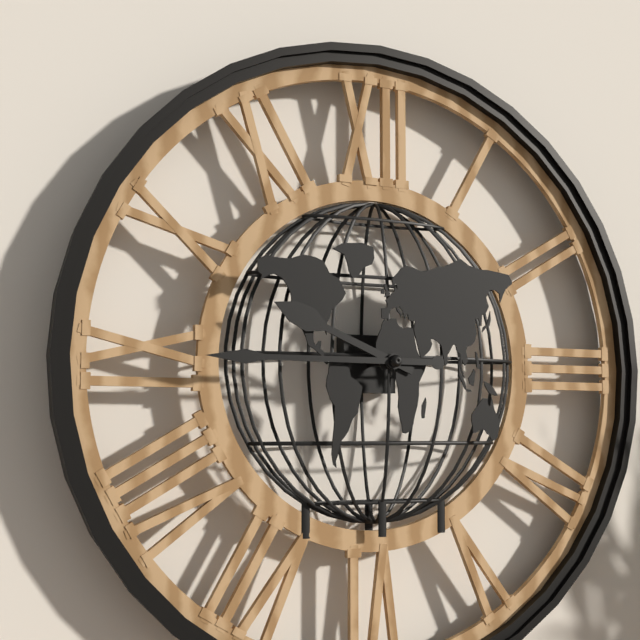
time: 9:45
